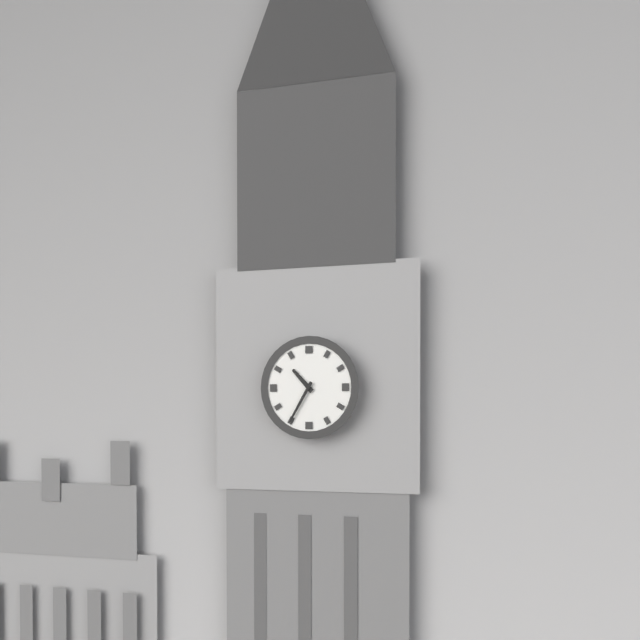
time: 10:35
